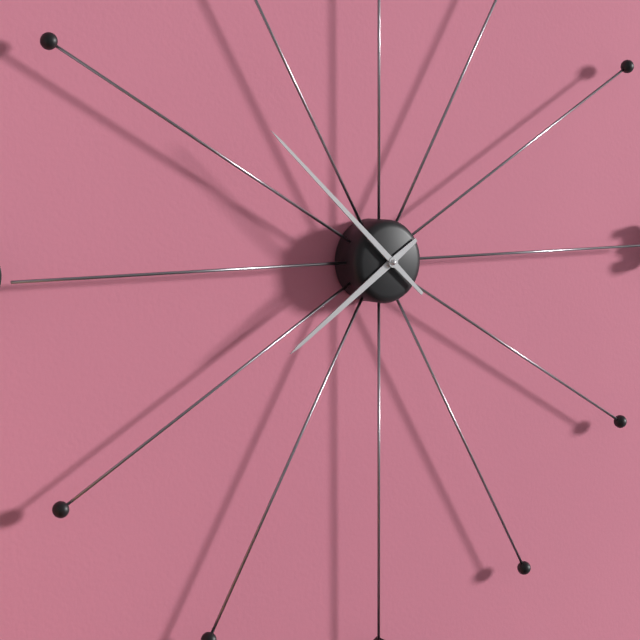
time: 7:52
